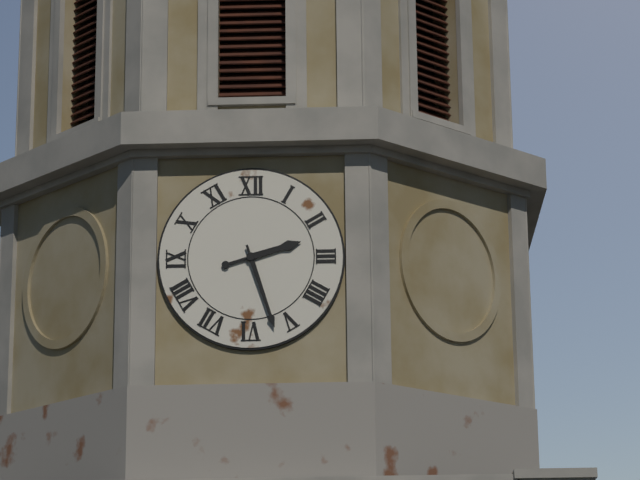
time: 2:27
